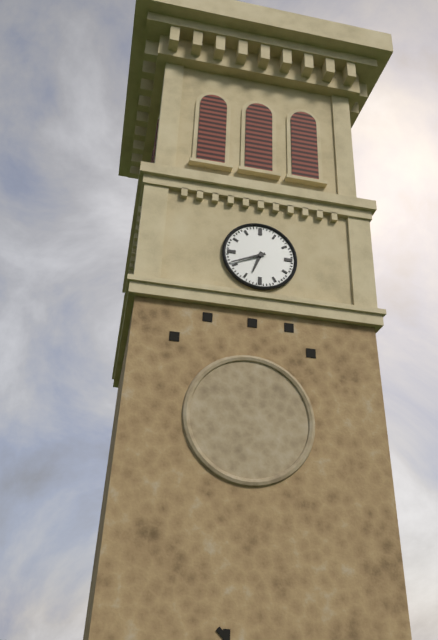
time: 6:41
